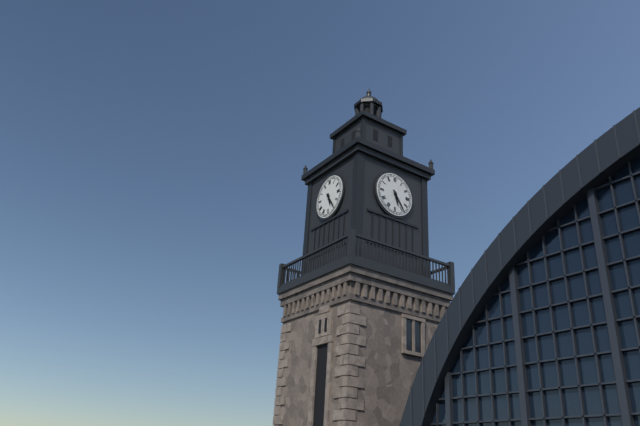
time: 5:24
